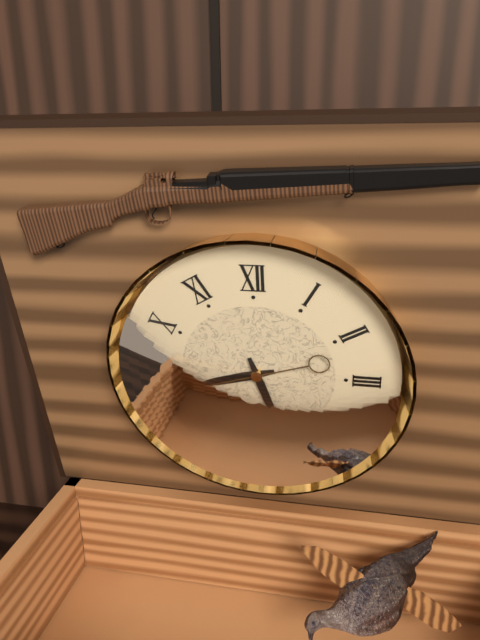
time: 8:27:42
